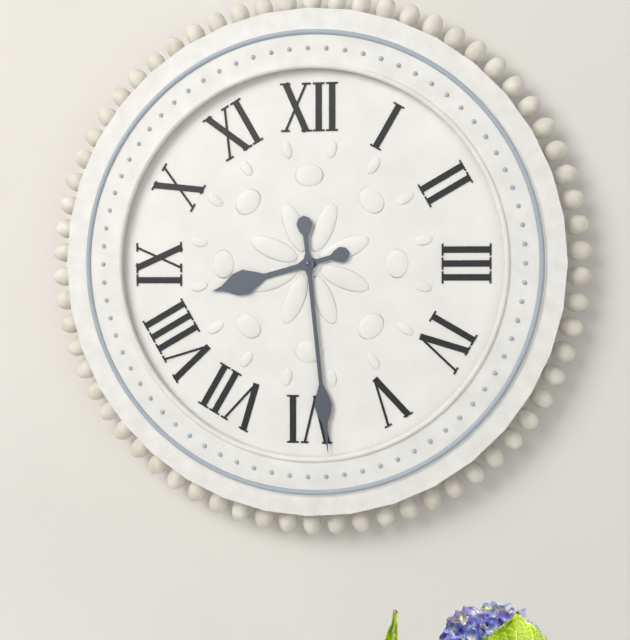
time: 8:29
